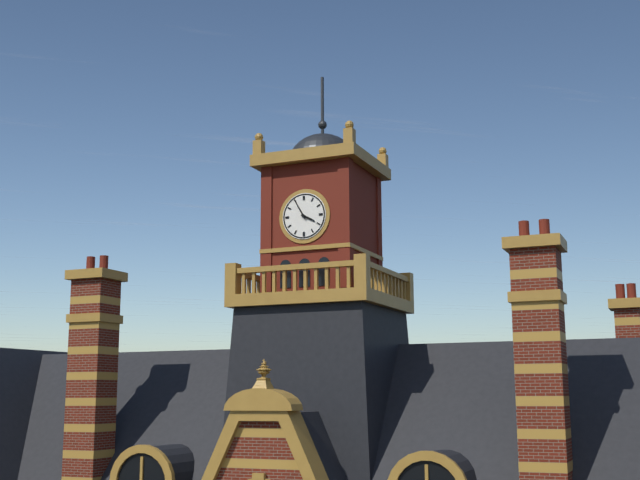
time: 3:55
